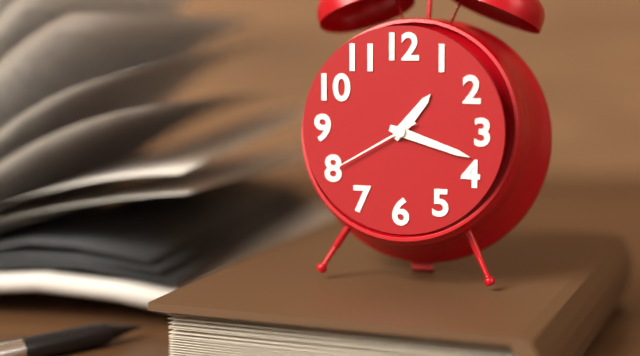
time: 1:18:40
